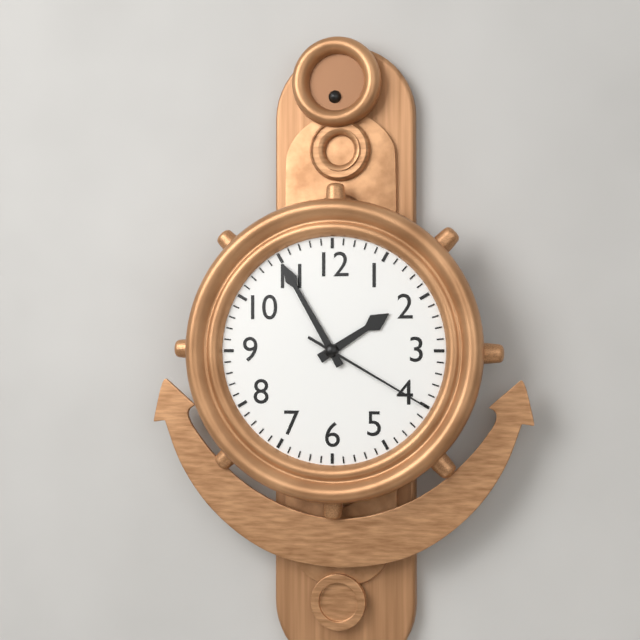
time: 1:55:20
